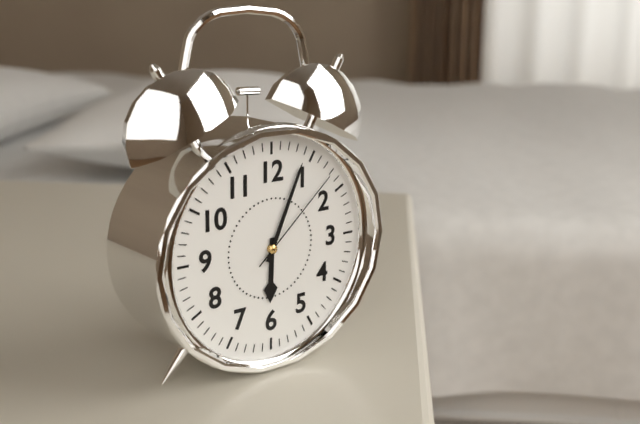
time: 6:04:08
